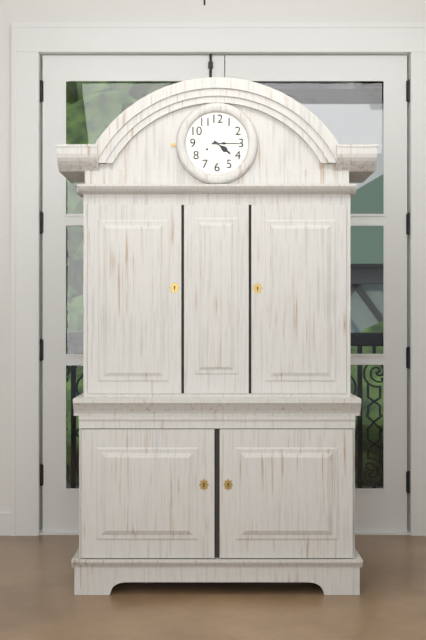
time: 4:15
